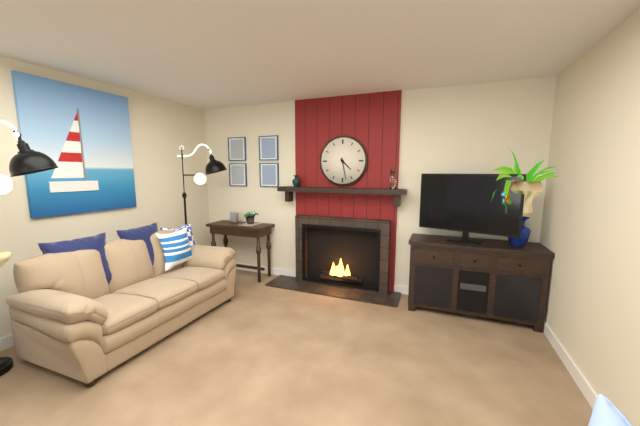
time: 4:28
